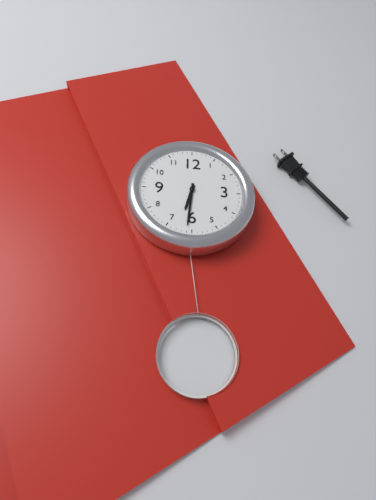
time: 6:31
